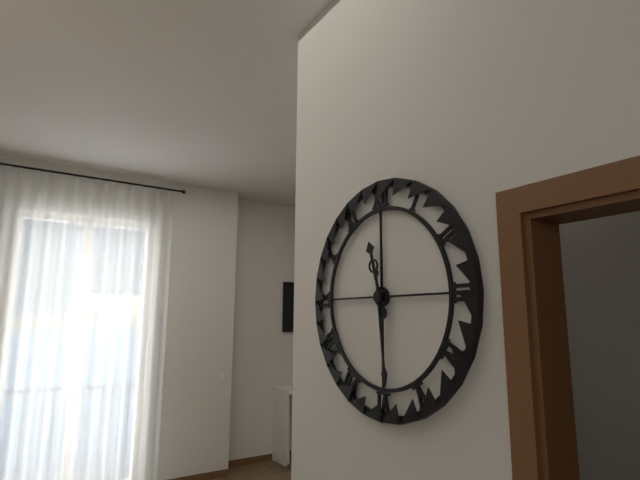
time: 11:29
